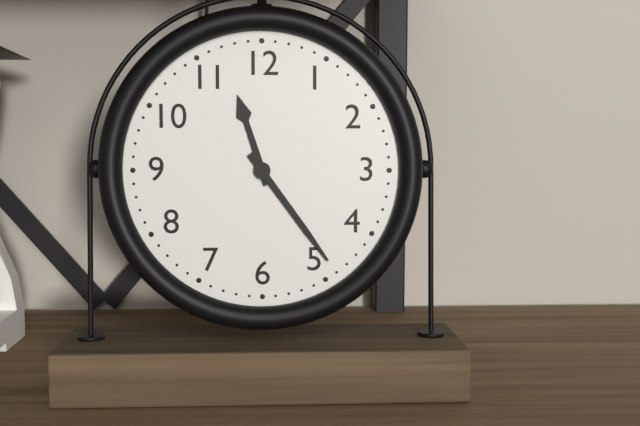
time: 11:24
